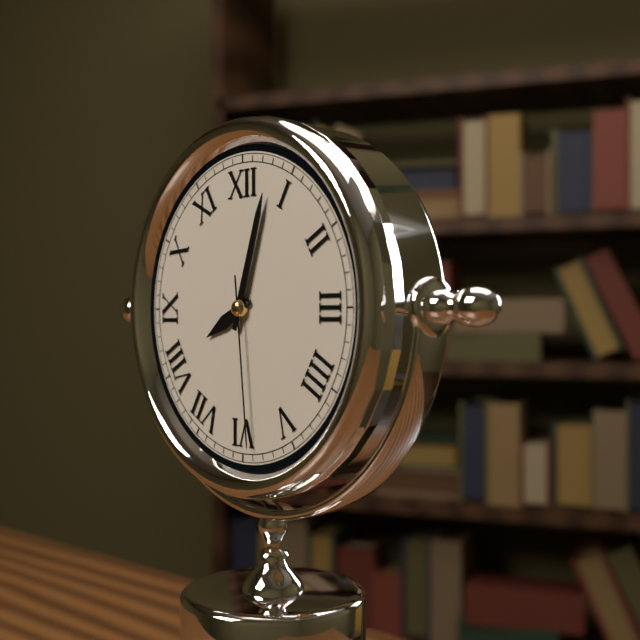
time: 8:03:29
